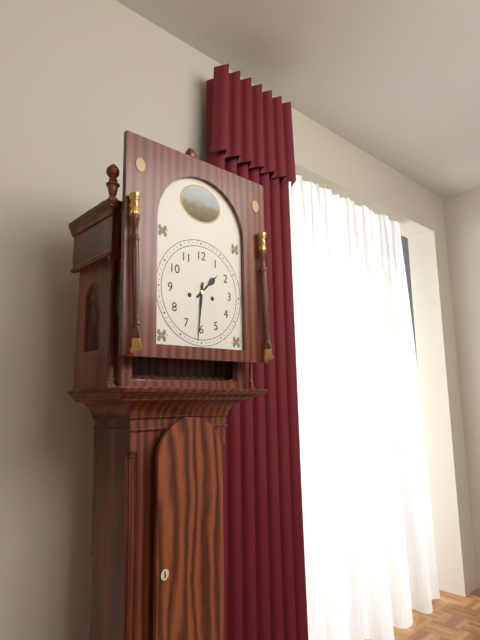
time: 1:31
